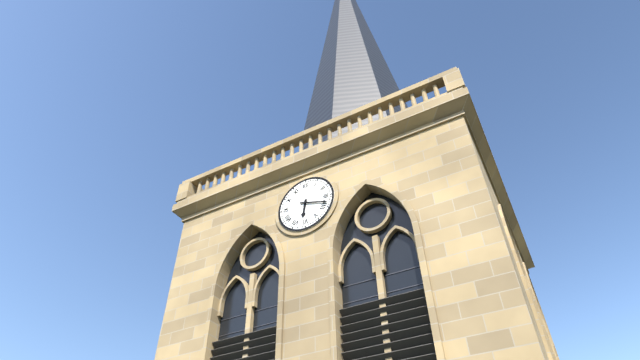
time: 6:18
